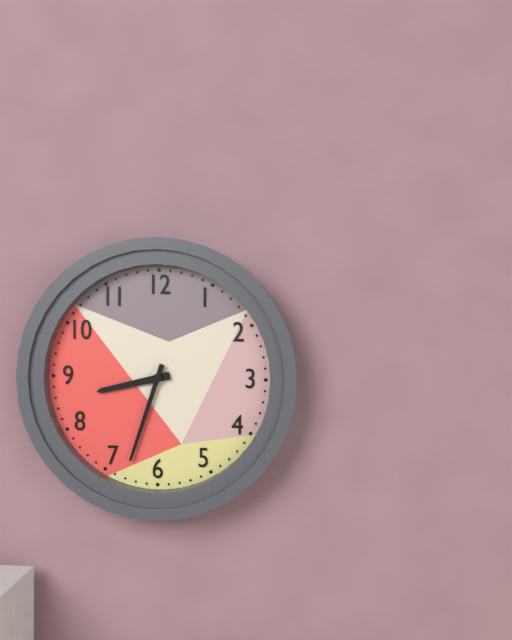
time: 8:33
